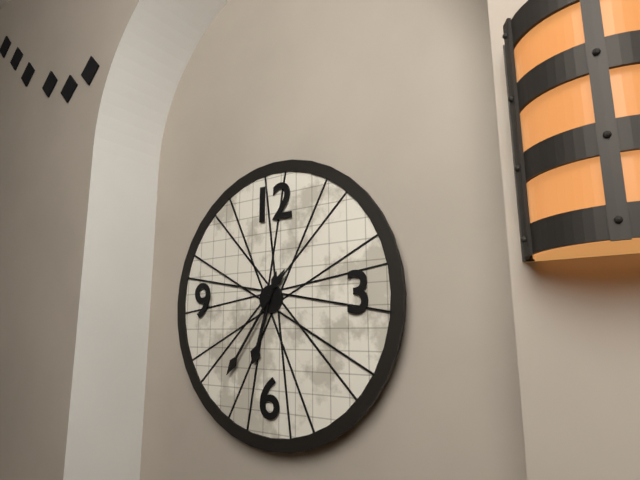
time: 6:36
